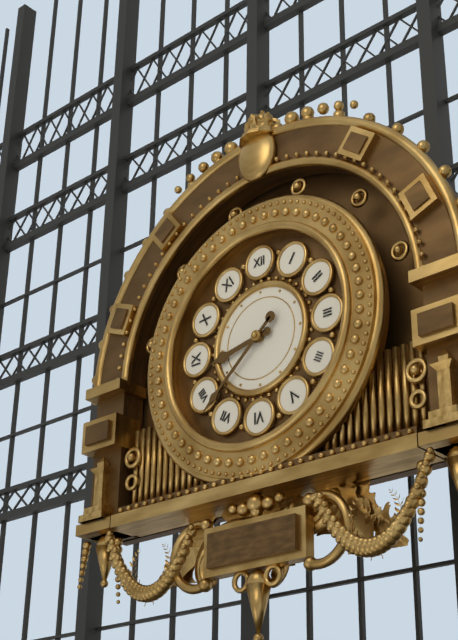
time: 8:38
